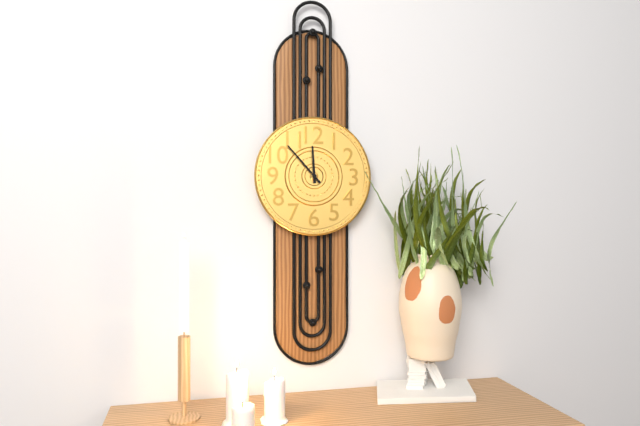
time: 11:53
